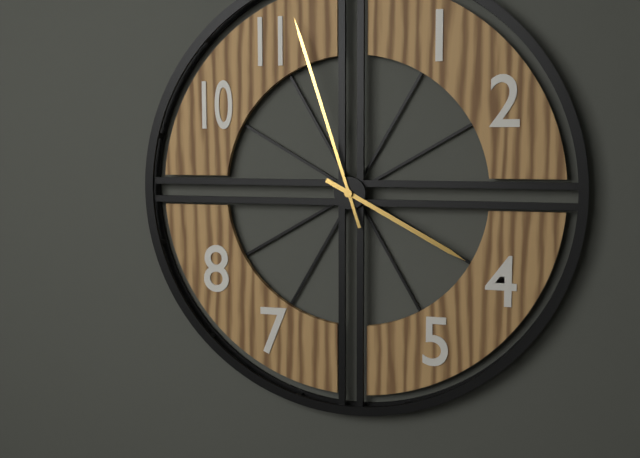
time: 3:57
